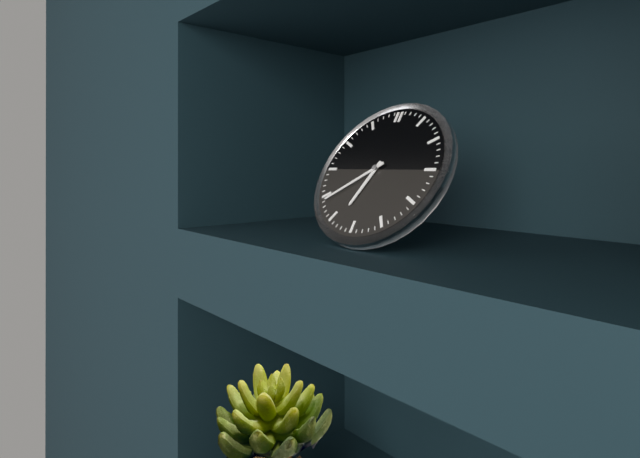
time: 6:39
